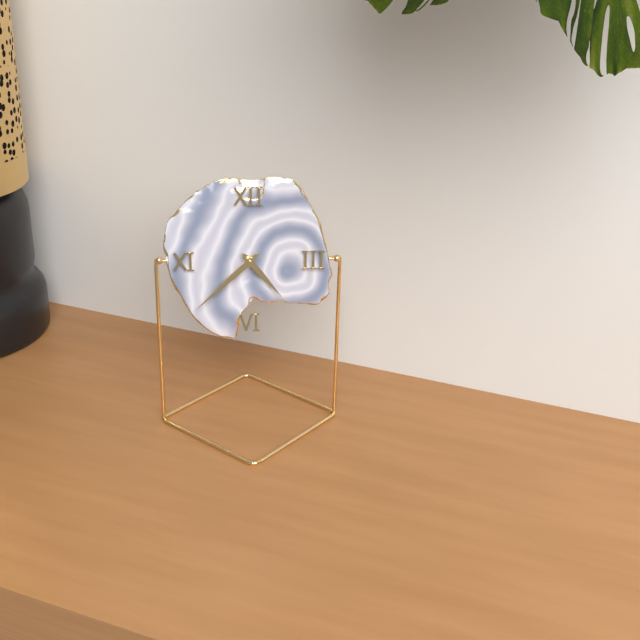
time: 4:38
